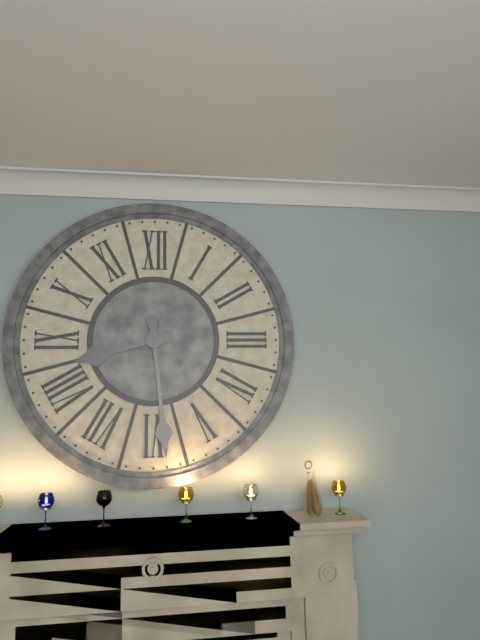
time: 8:29
